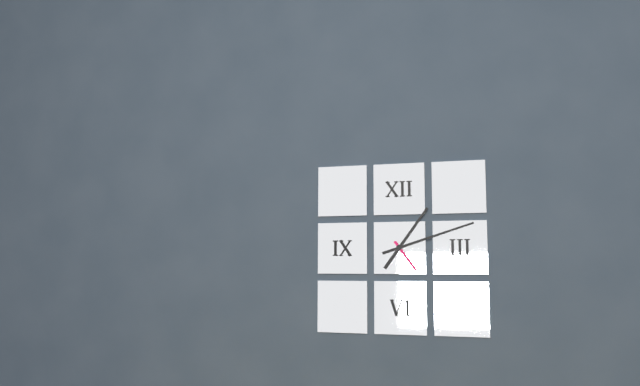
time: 1:12
